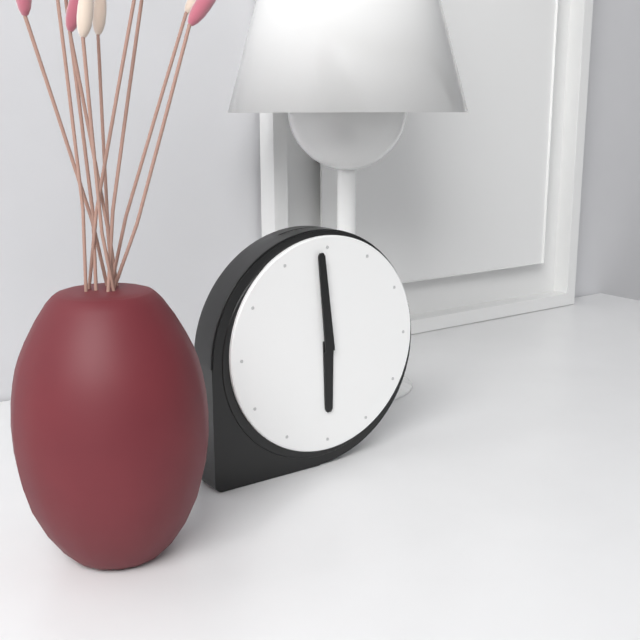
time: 5:59
